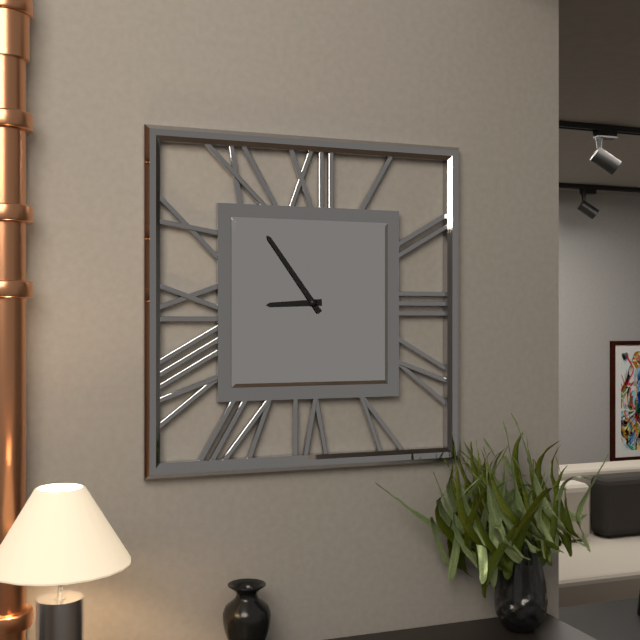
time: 8:54
